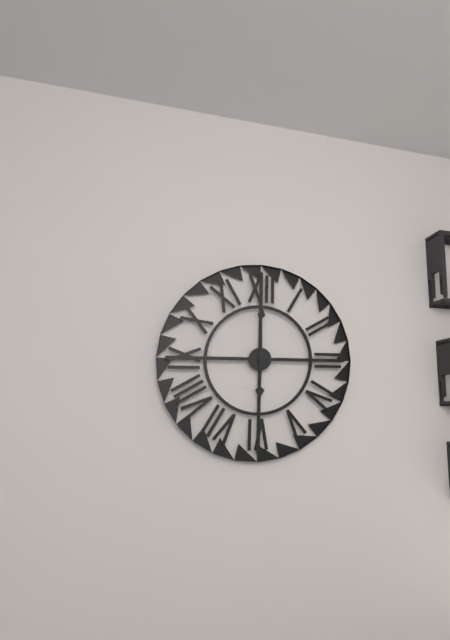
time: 6:00
